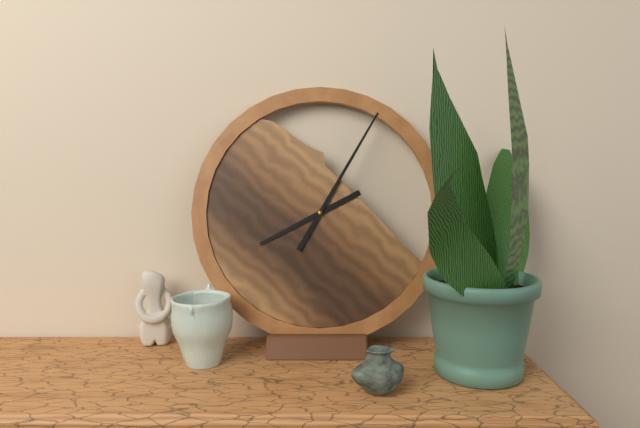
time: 8:05
